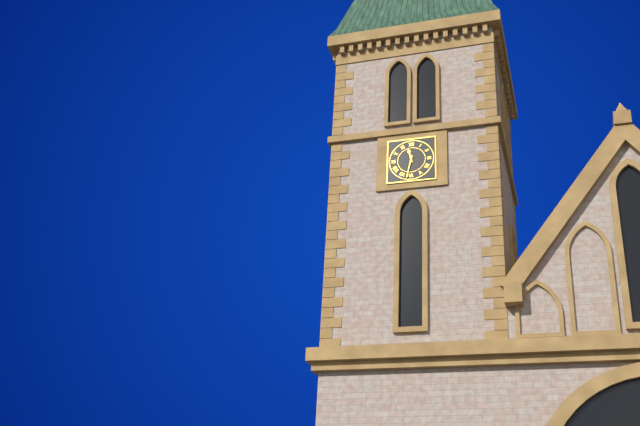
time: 11:32
